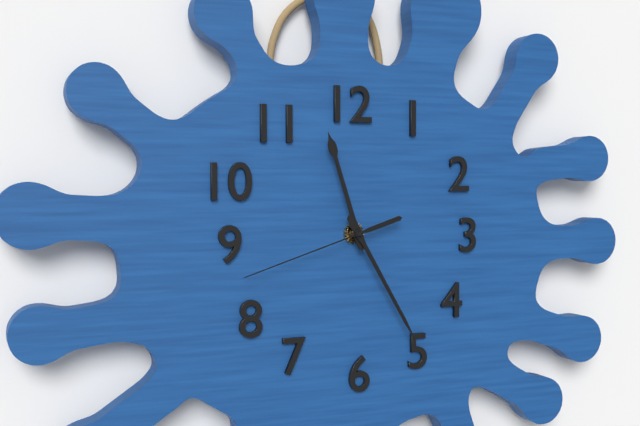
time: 11:25:42
